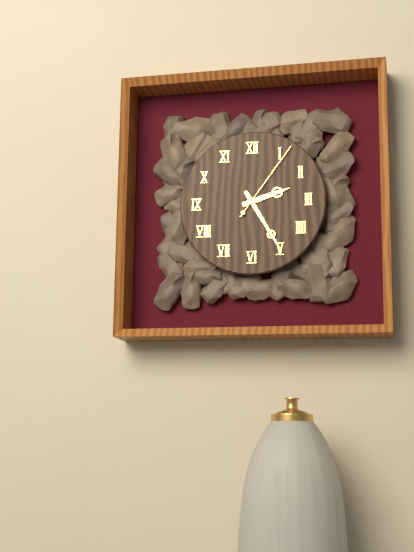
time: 2:25:06
